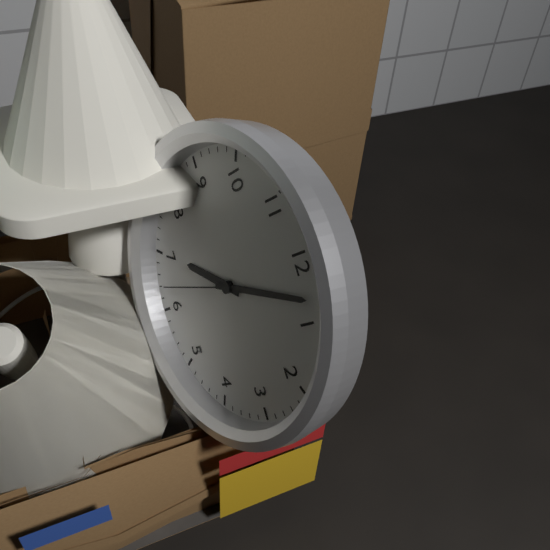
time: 7:03:32
